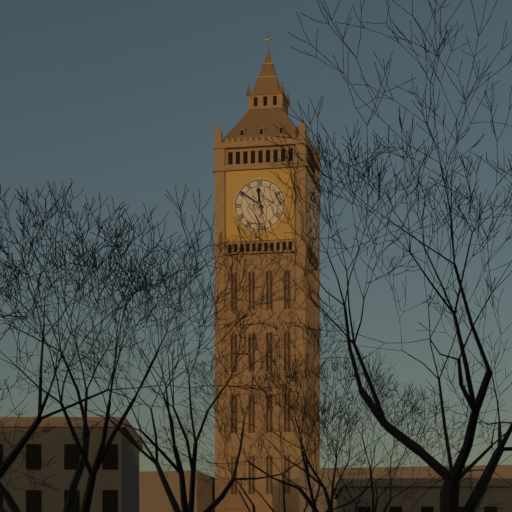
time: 11:51
